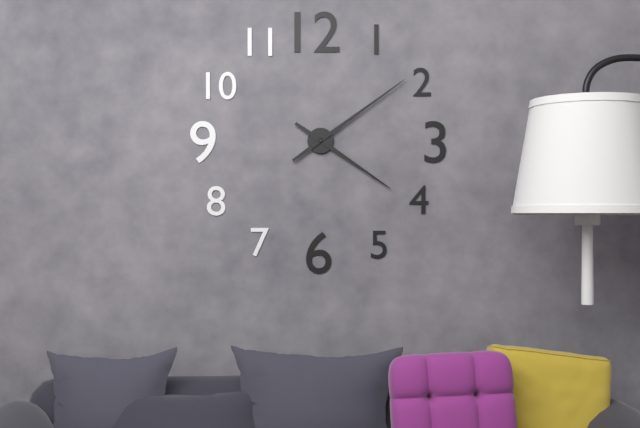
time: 4:09
